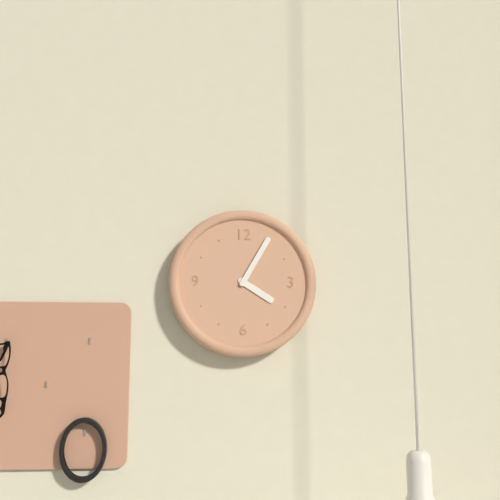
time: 4:05
